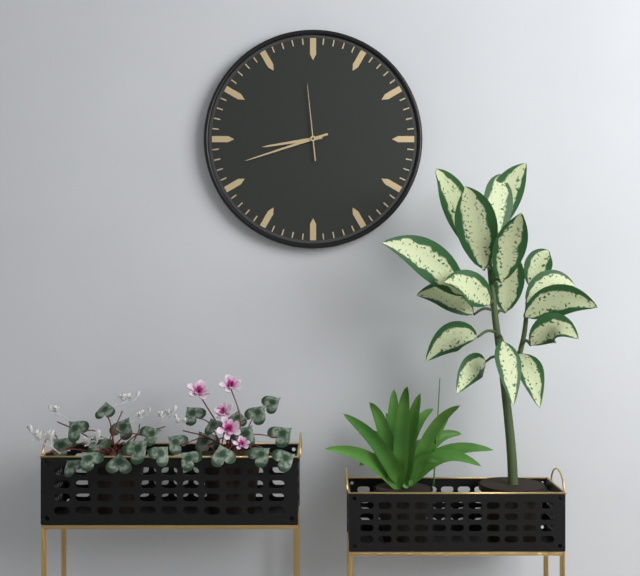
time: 8:42:59
